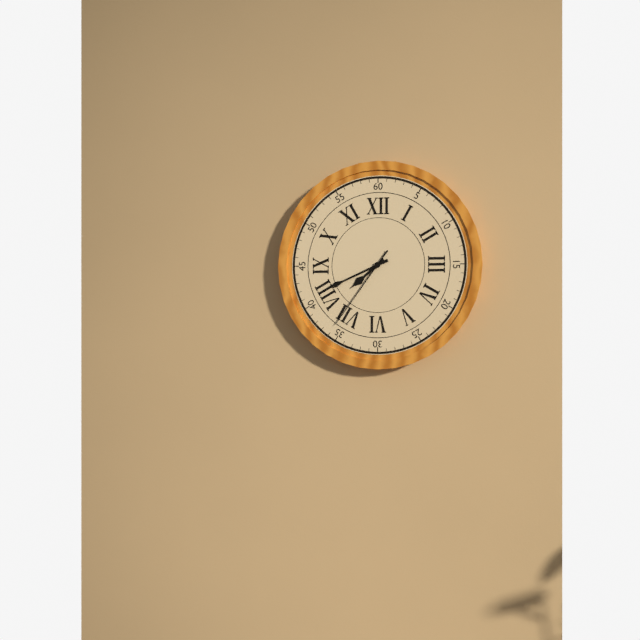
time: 7:41:36
